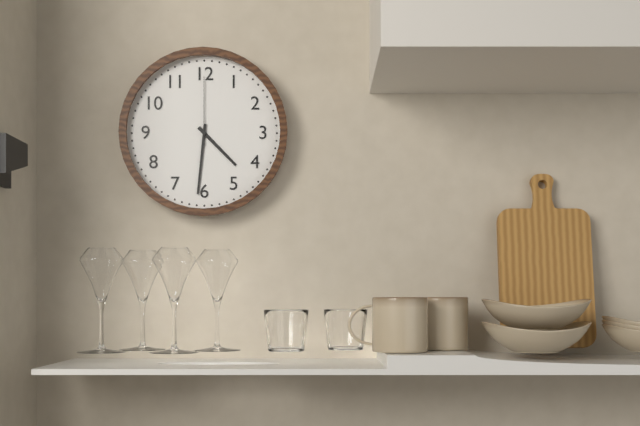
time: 4:31:00
